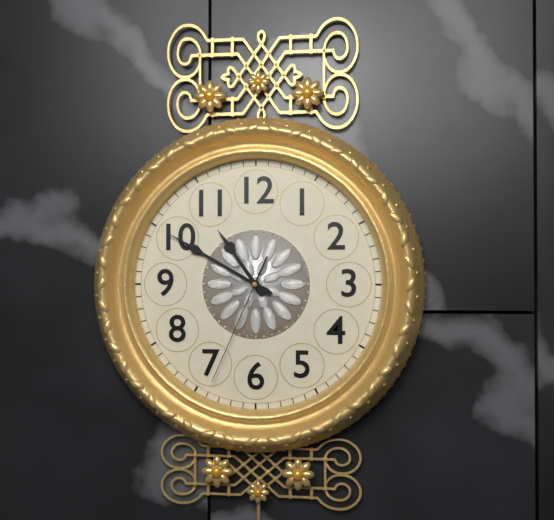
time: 10:50:34
